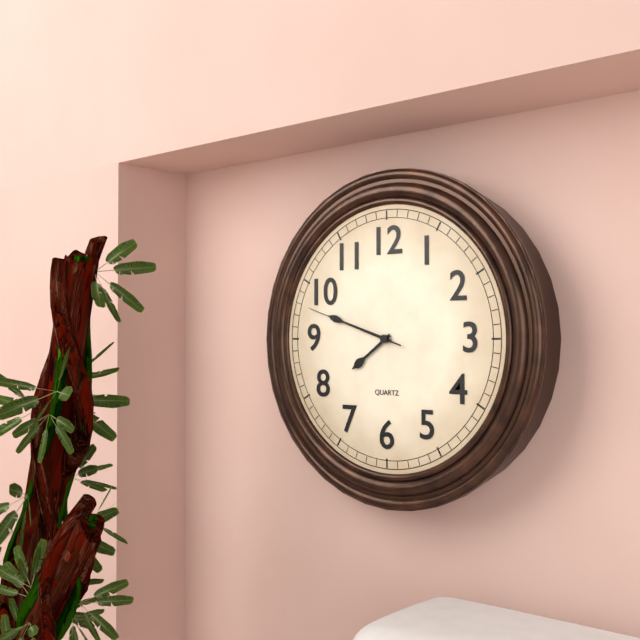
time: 7:48:48
